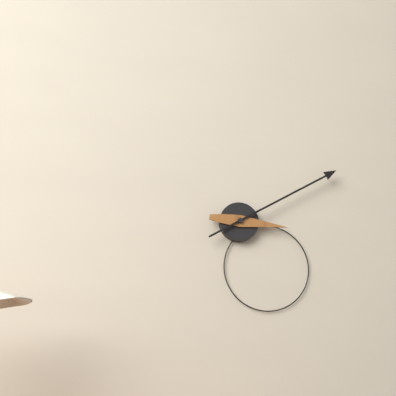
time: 3:10
